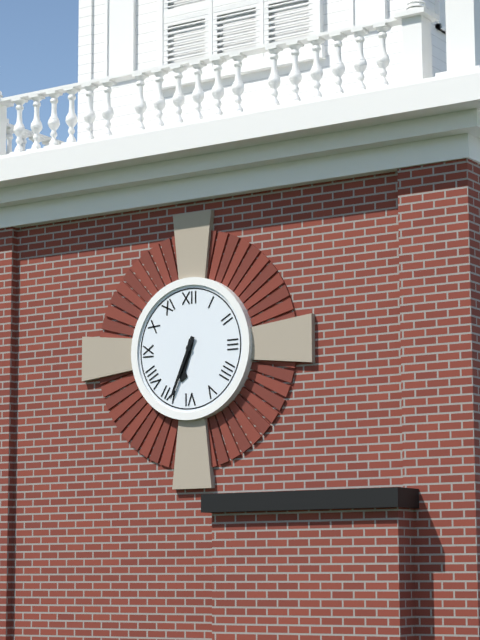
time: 6:34
